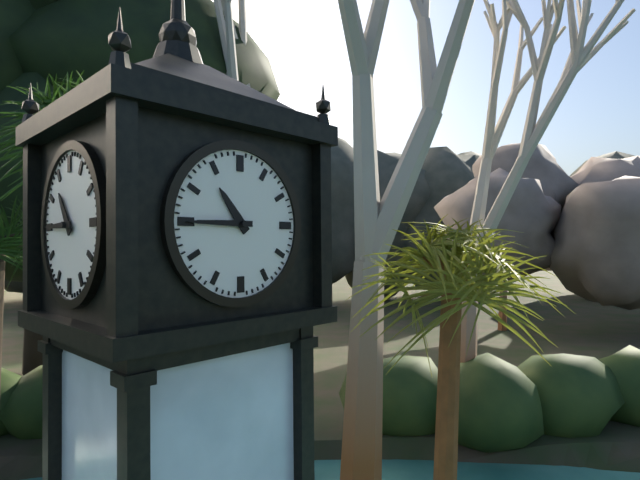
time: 10:45
